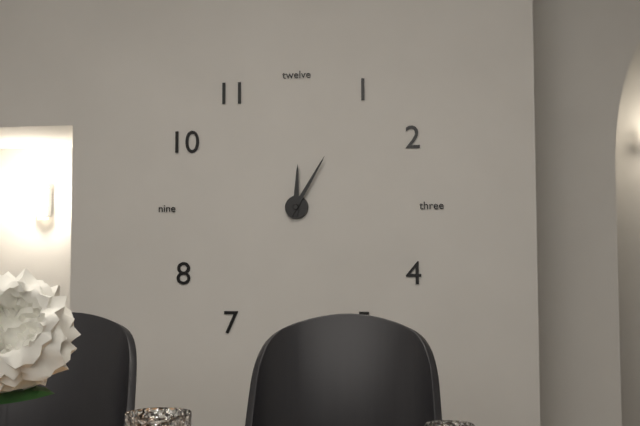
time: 12:05
